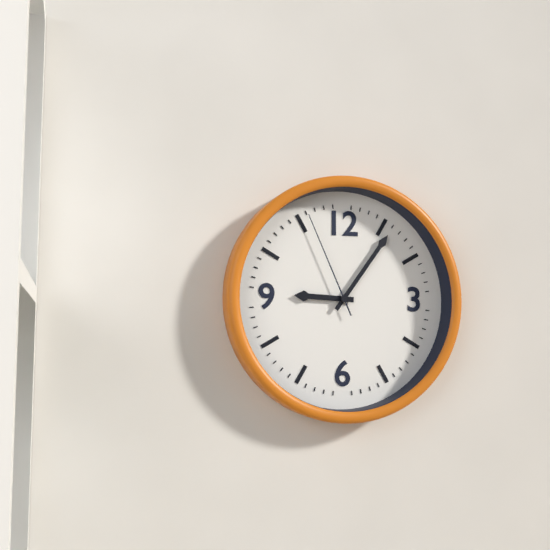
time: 9:06:56
